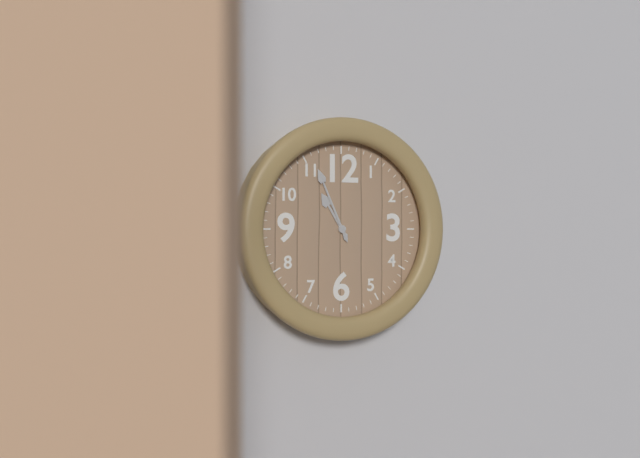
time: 10:56
